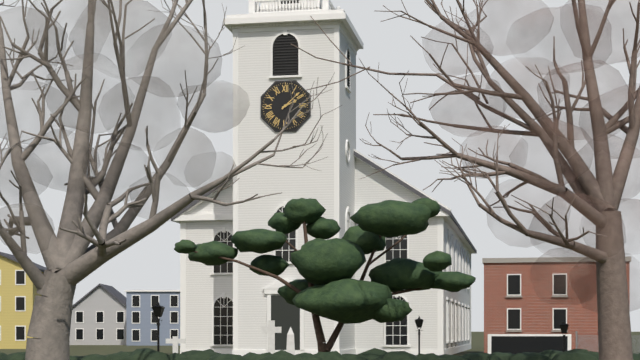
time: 2:08
